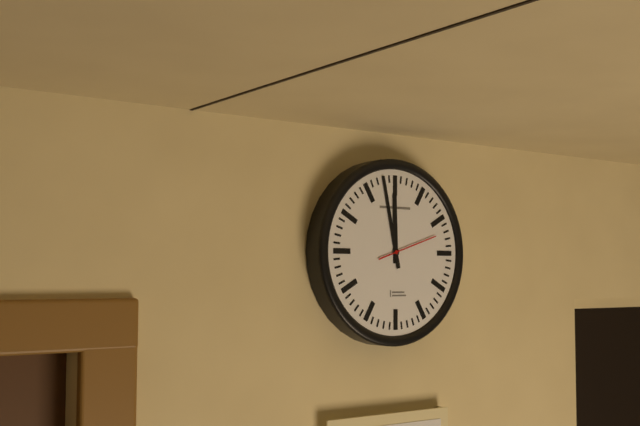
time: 11:58:12
